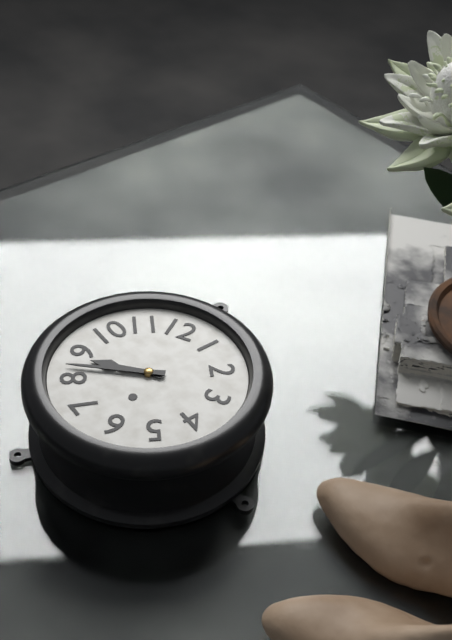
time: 8:42
